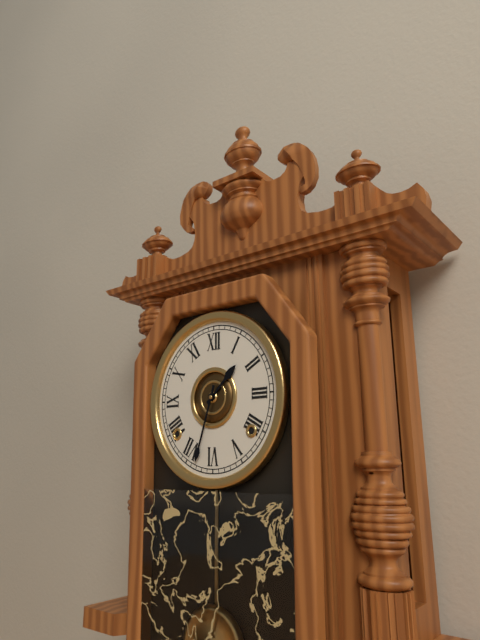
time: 1:33
